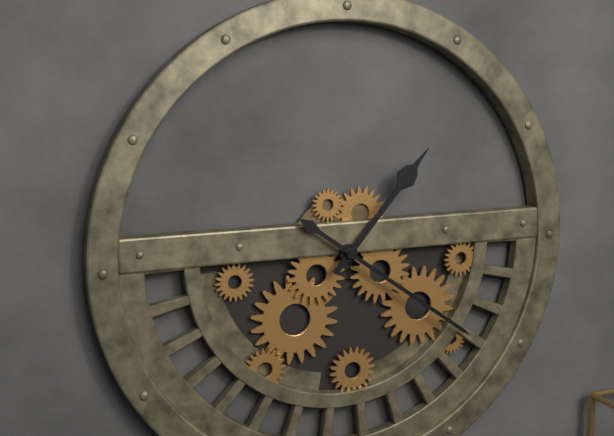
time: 1:21
